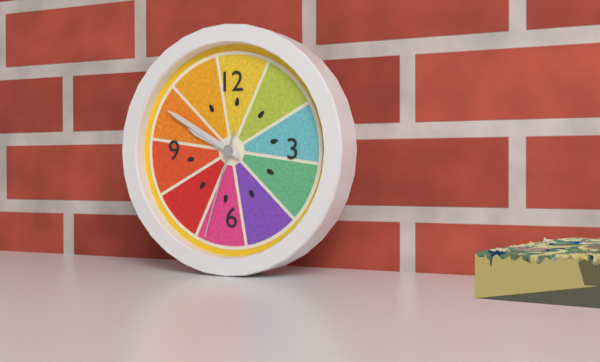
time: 9:50:33
